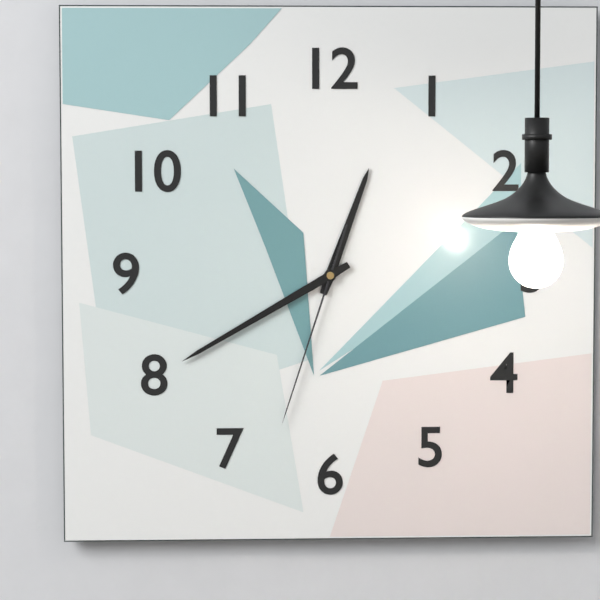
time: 12:40:33
